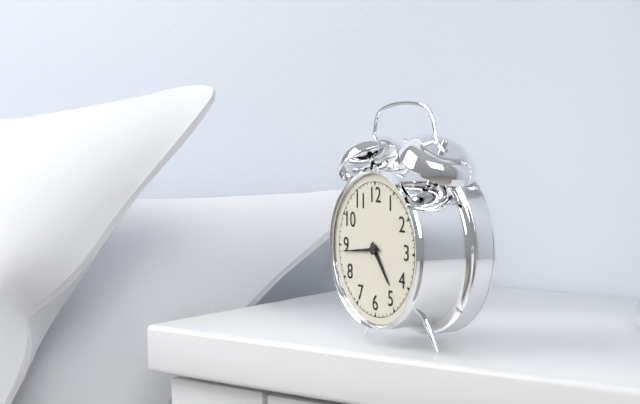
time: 4:44
